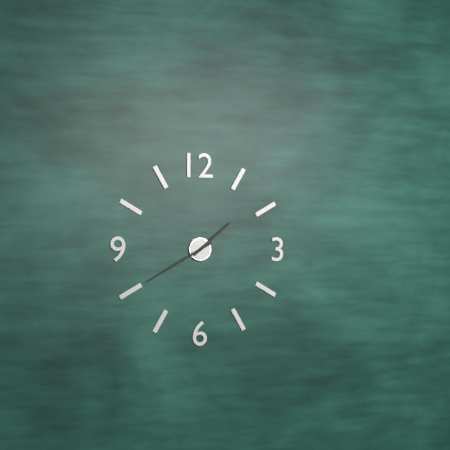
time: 1:40
